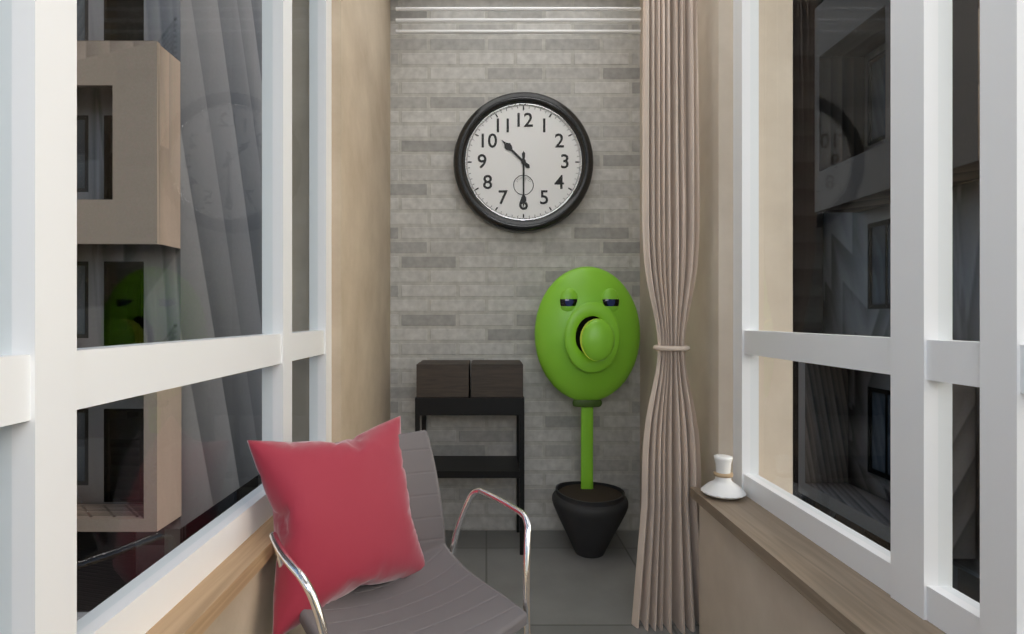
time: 10:30
